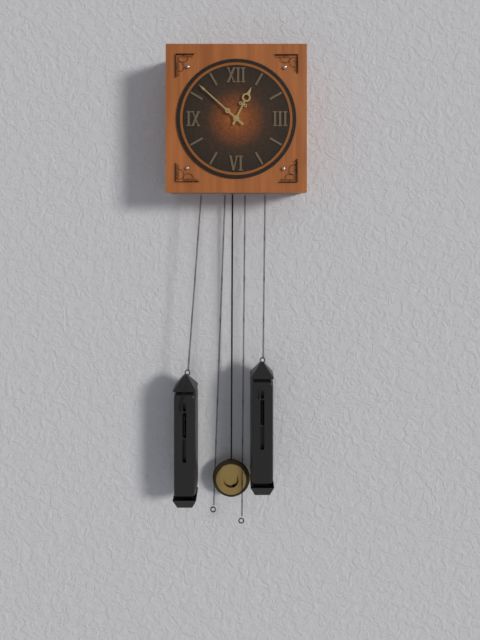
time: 12:52
